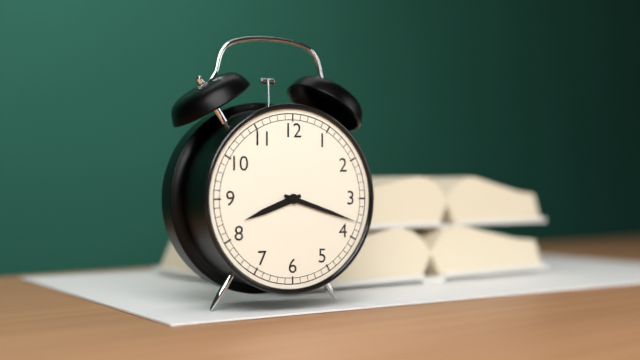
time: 8:18
